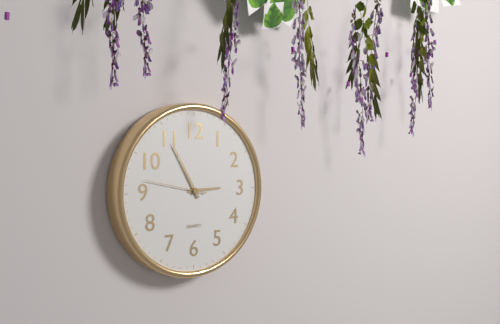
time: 2:55:47
